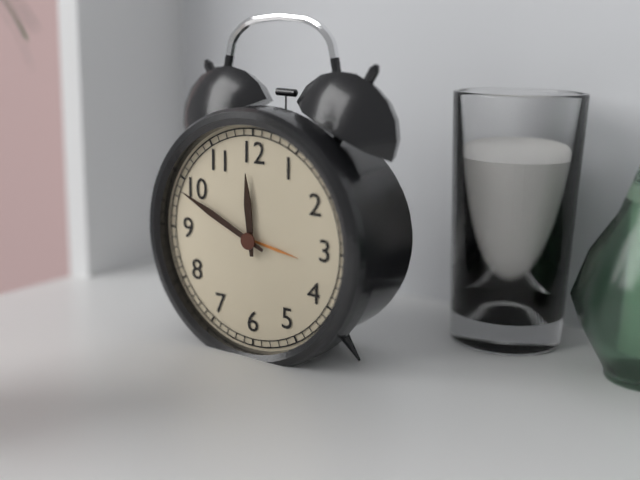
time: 11:49
